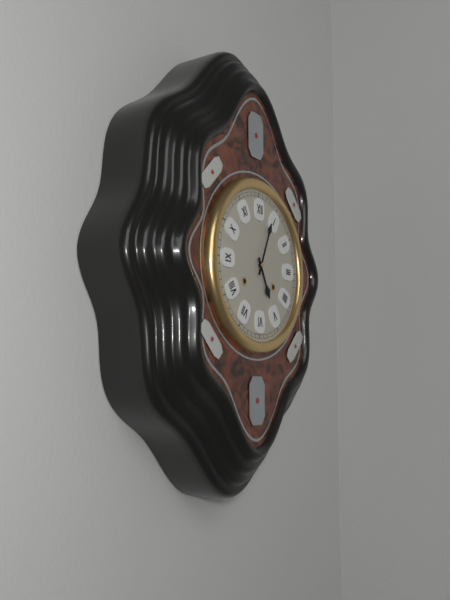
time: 5:04
